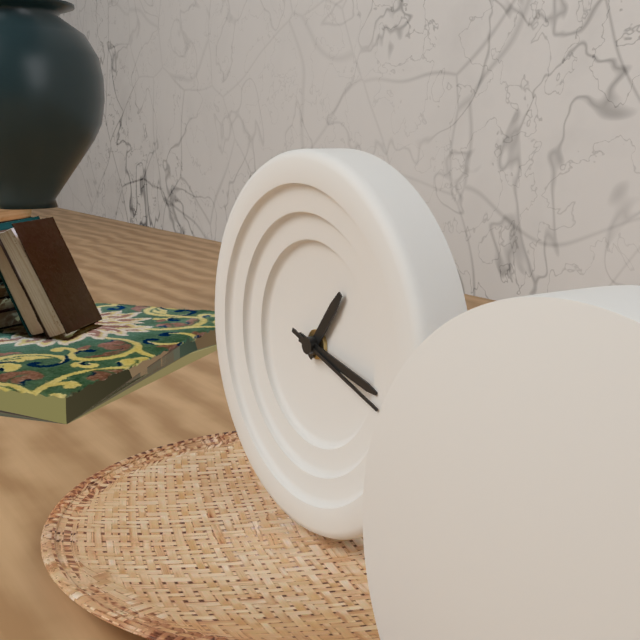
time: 1:17:18
